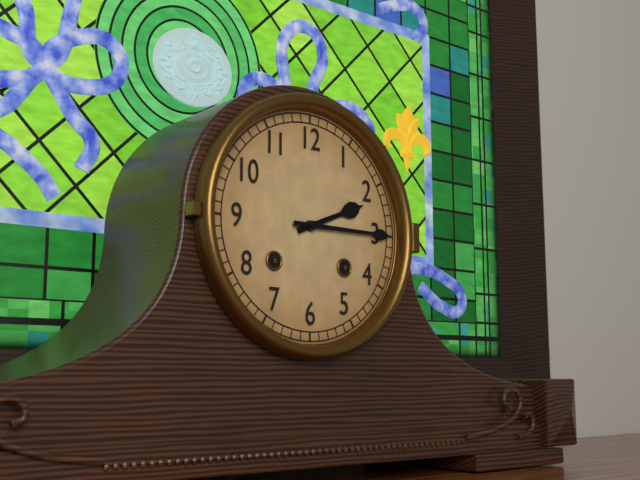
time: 2:15
